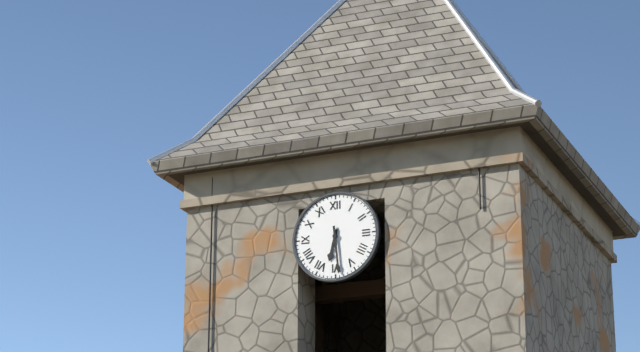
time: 6:29
